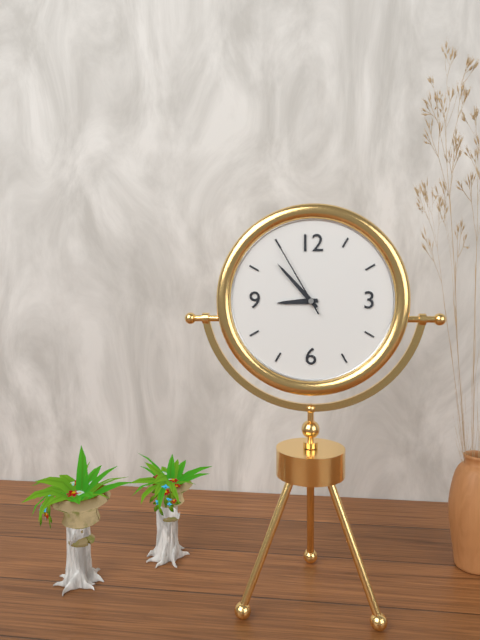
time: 8:53:55
